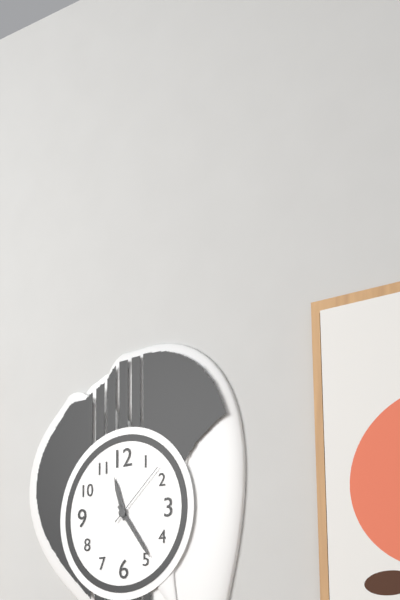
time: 11:24:08
